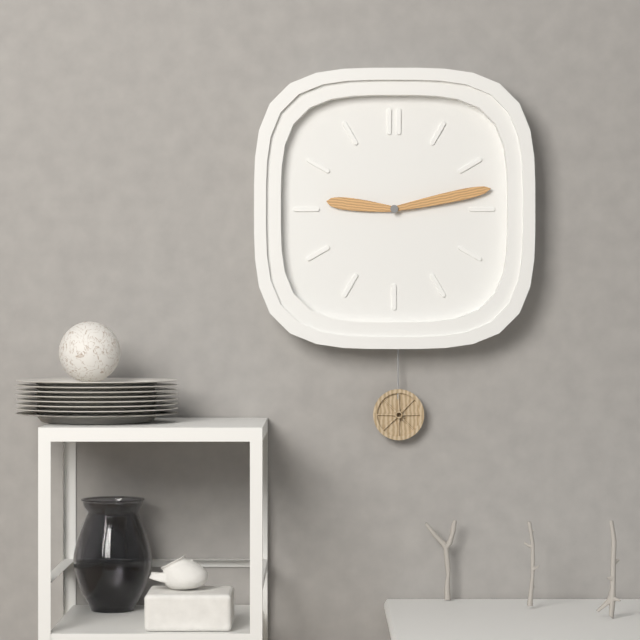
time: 9:13
